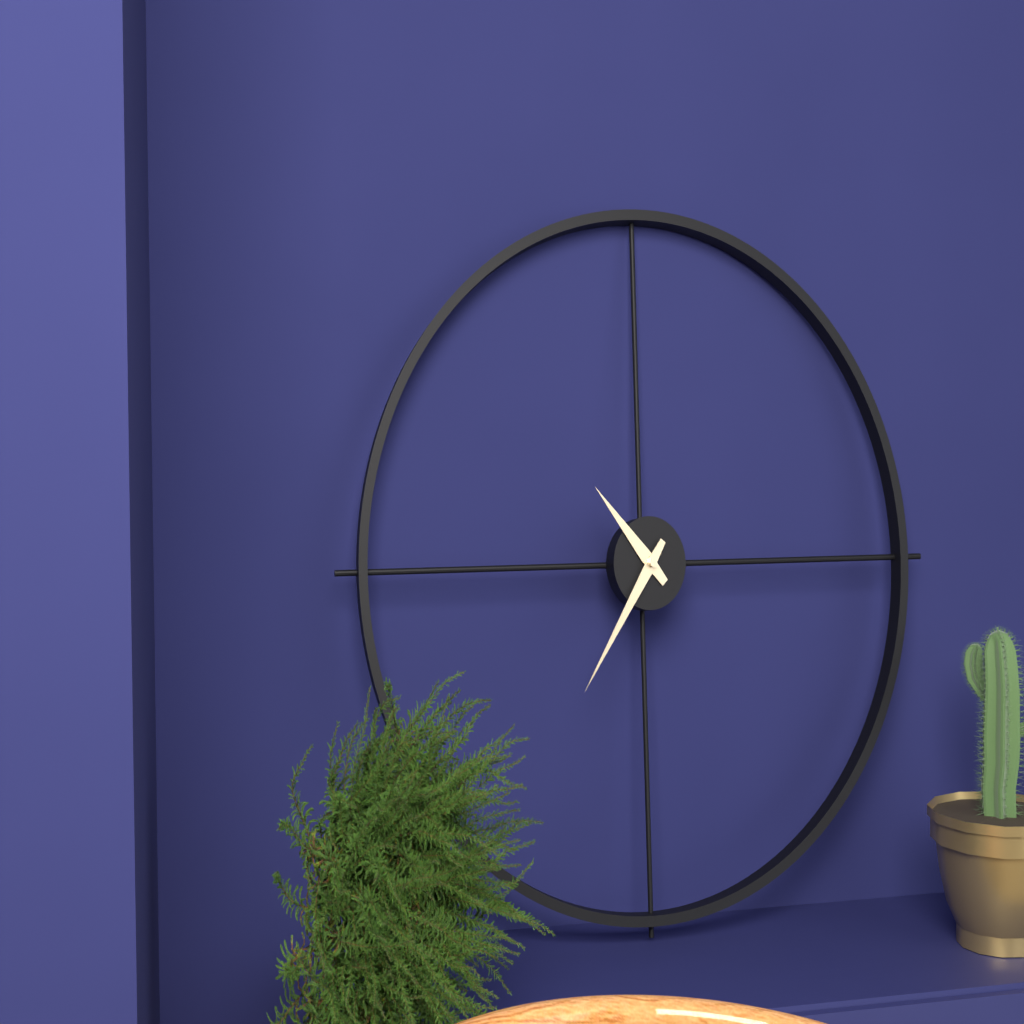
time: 10:36
